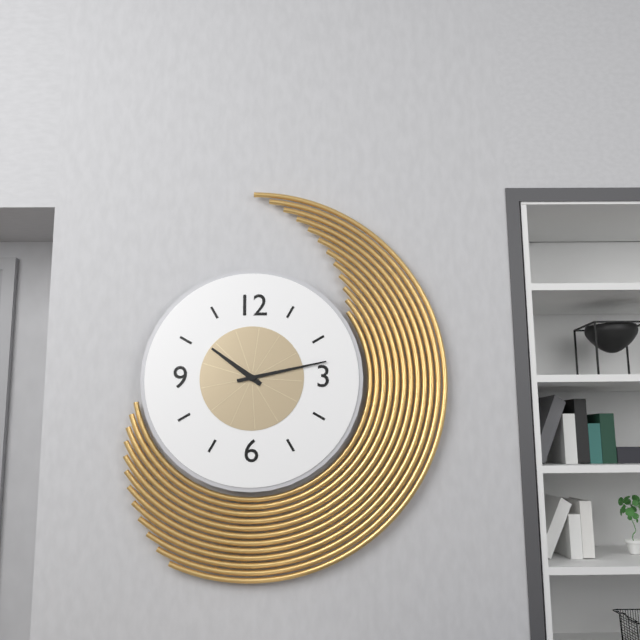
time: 10:13
